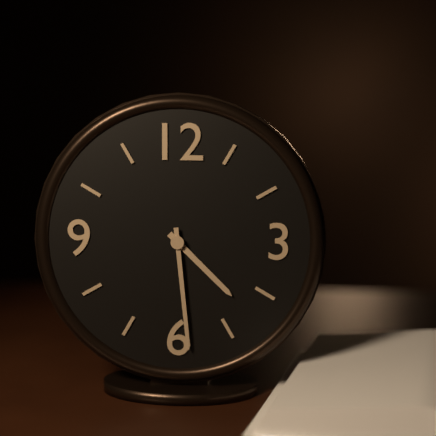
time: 4:29
